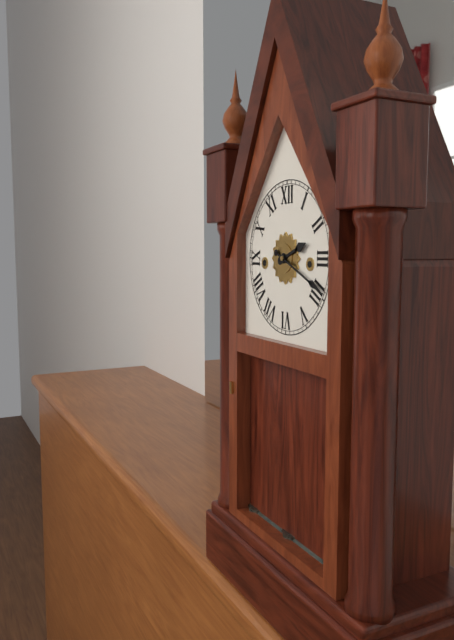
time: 2:19
